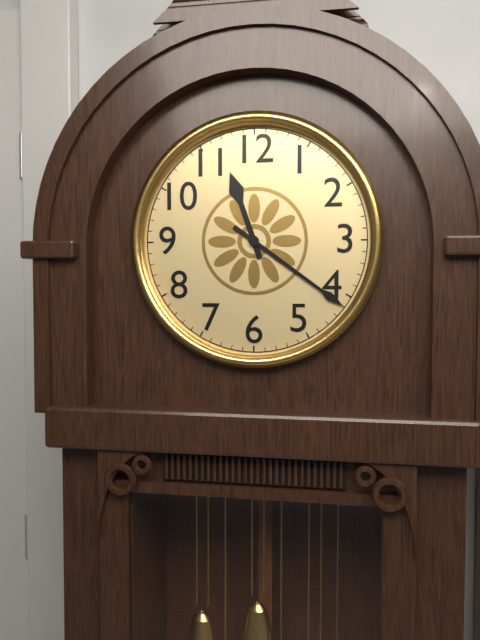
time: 11:21
